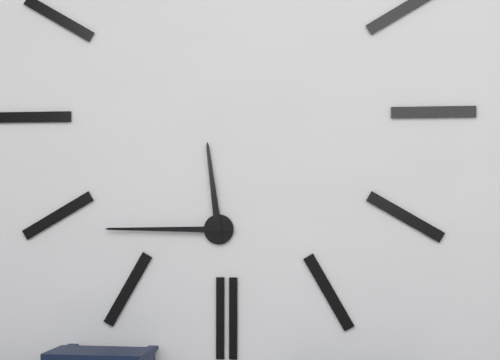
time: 11:45
